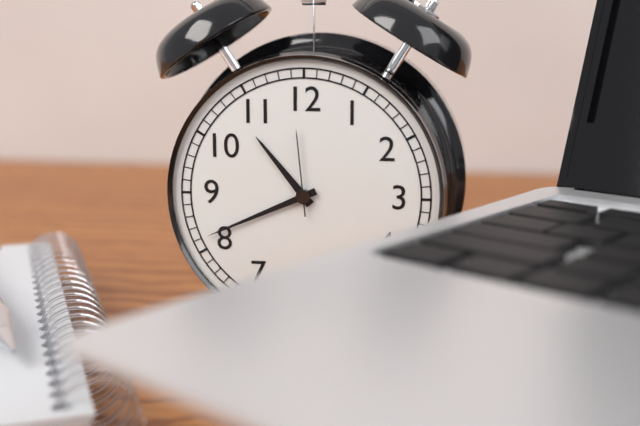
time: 10:41:59
